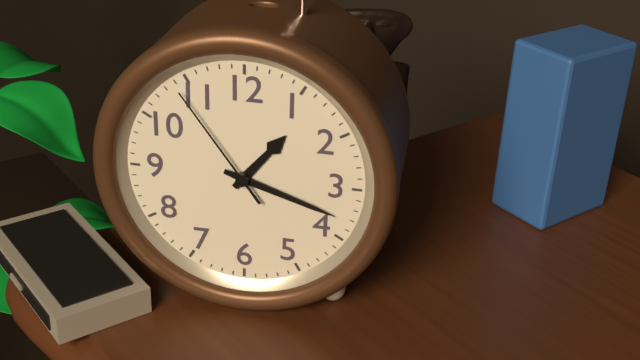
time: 1:18:54
